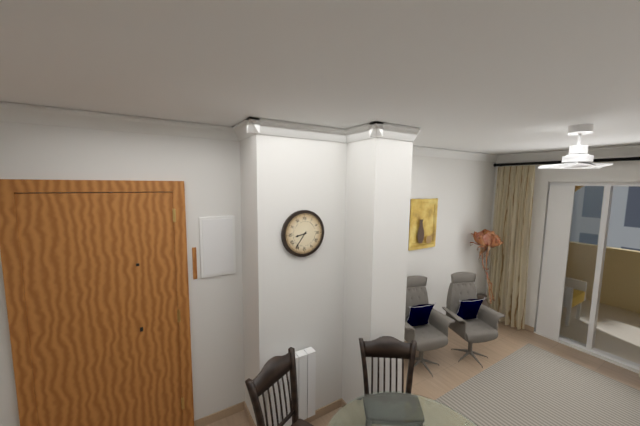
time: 8:36
